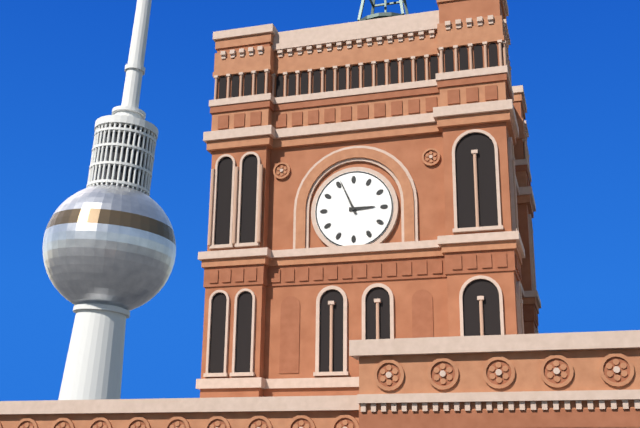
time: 2:56
